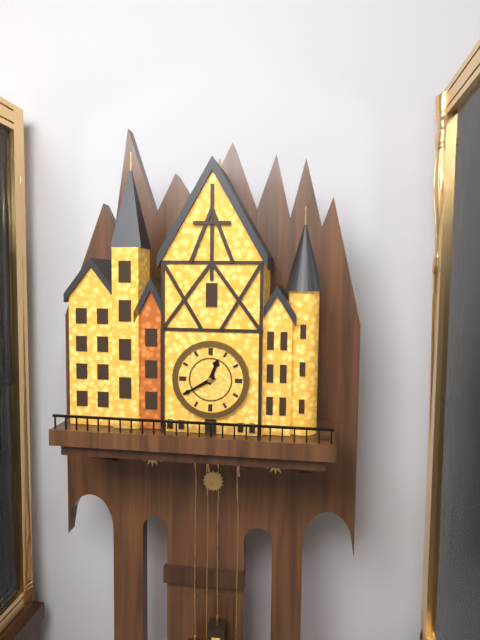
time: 12:40
